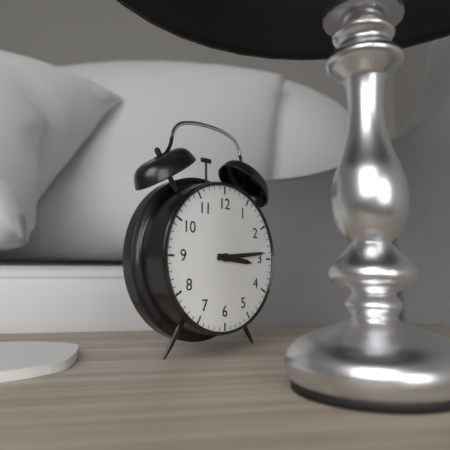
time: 3:14
